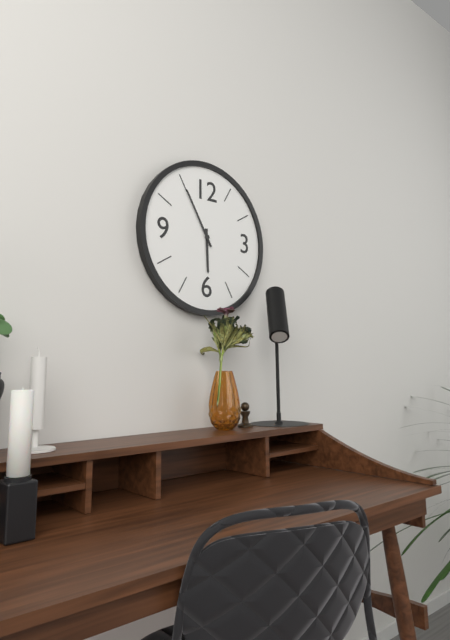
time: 5:55
